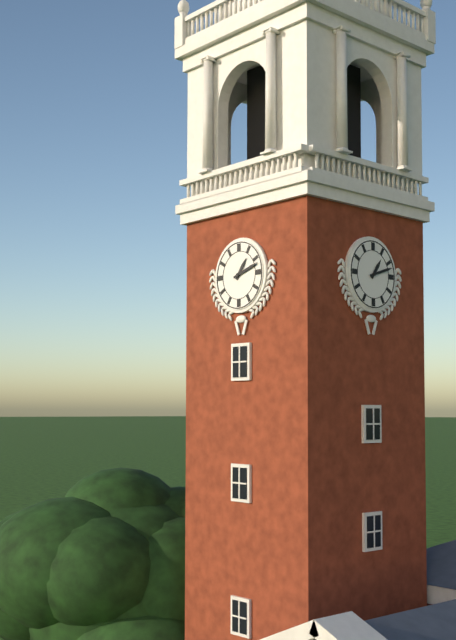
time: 1:12
